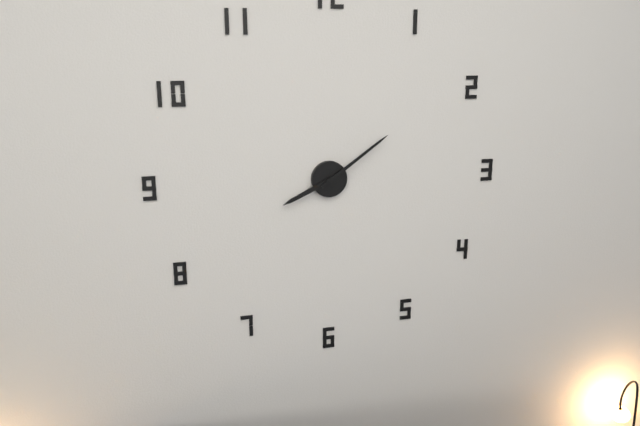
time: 8:09
